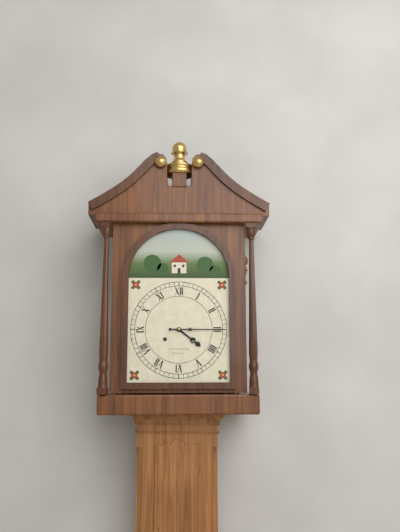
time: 4:15
